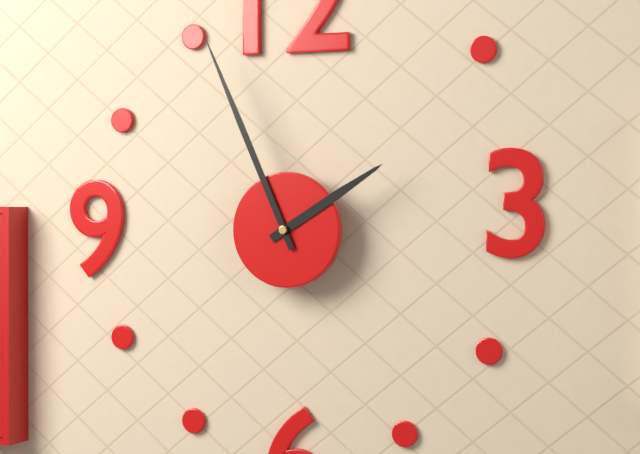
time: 1:56
